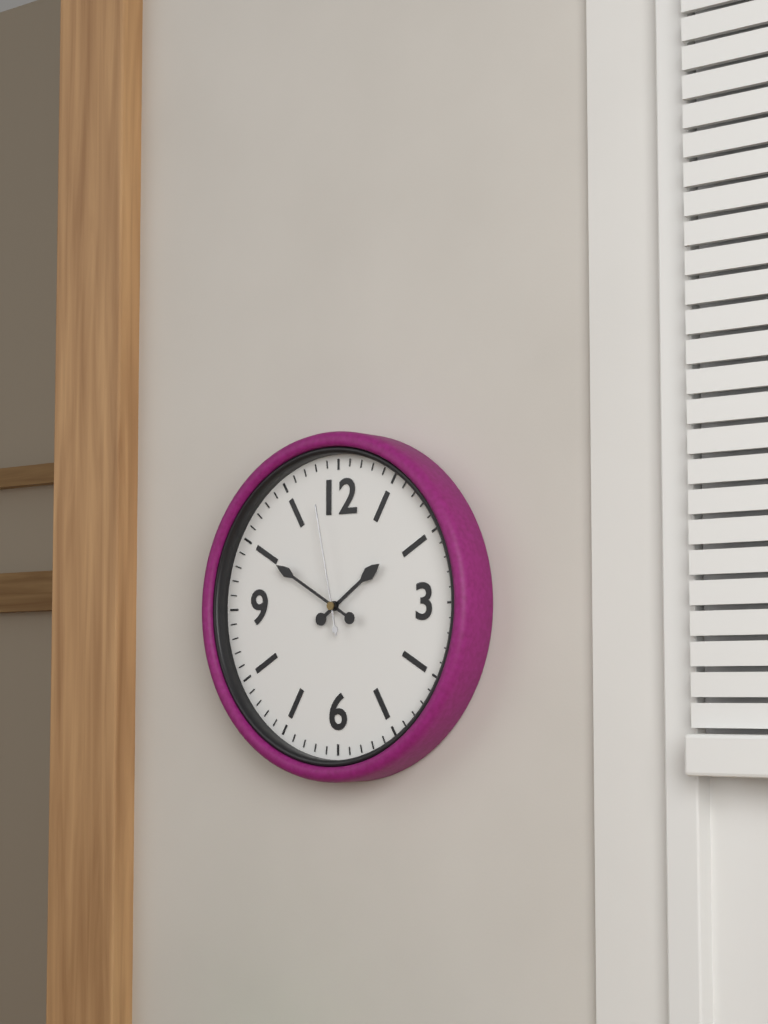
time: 1:50:58
